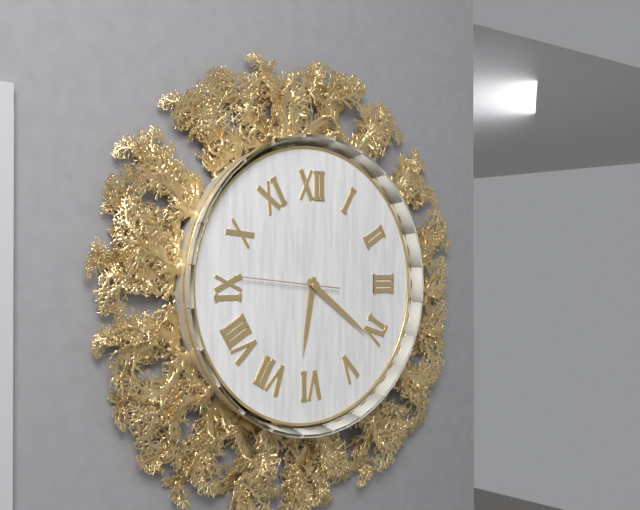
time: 6:21:46
